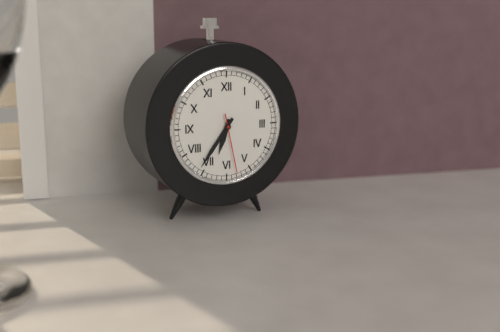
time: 6:36:28
